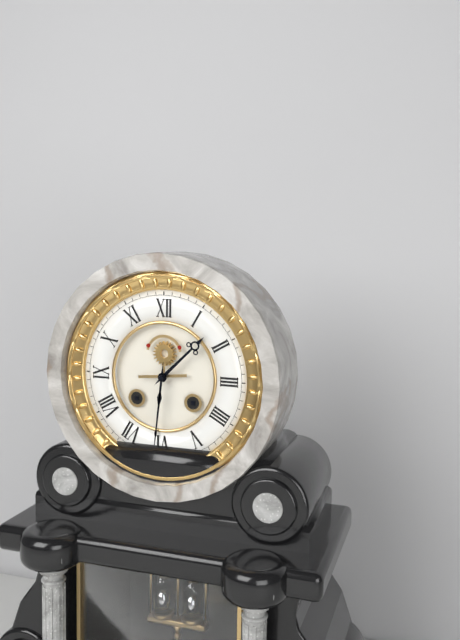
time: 1:31
